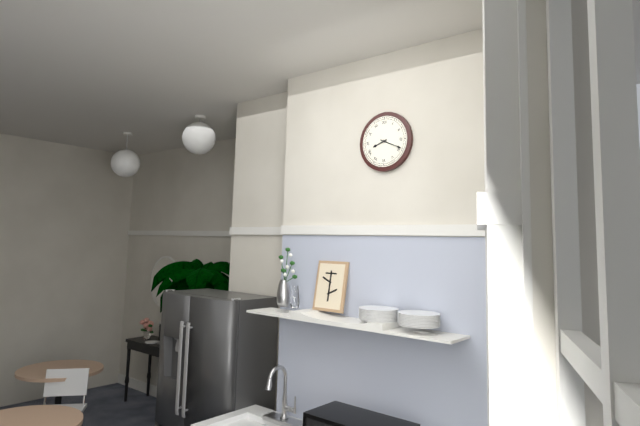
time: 8:19
